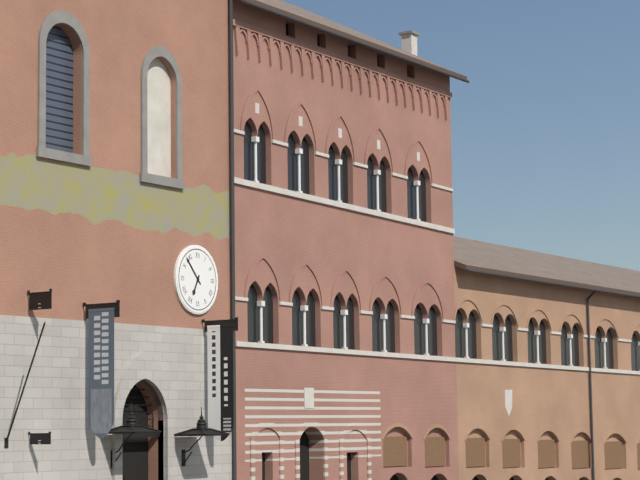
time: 6:53
